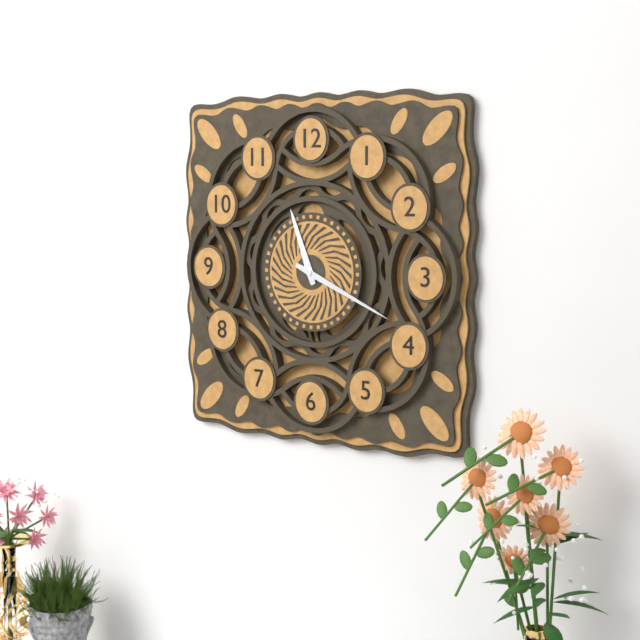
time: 11:19
